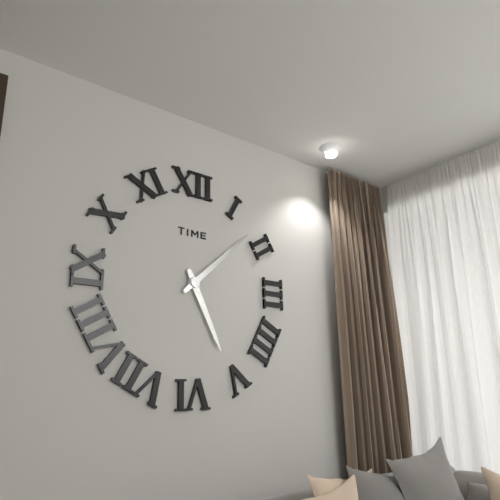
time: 5:08
